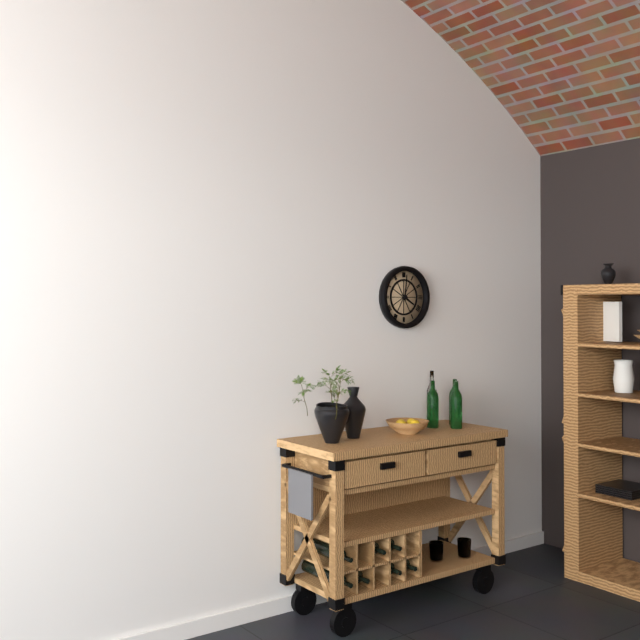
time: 4:01
